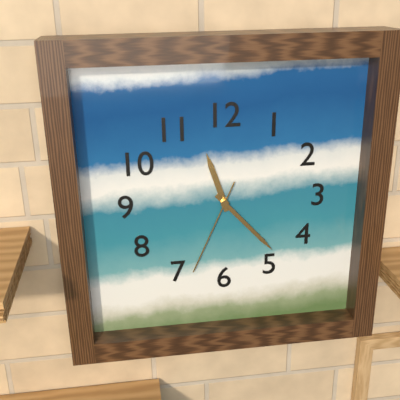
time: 11:23:34
